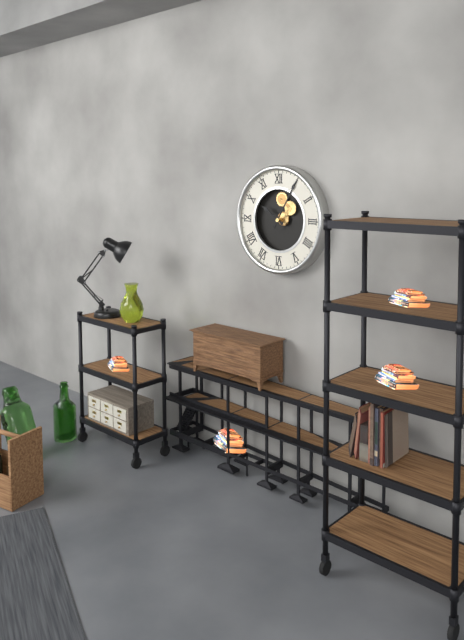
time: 10:05
